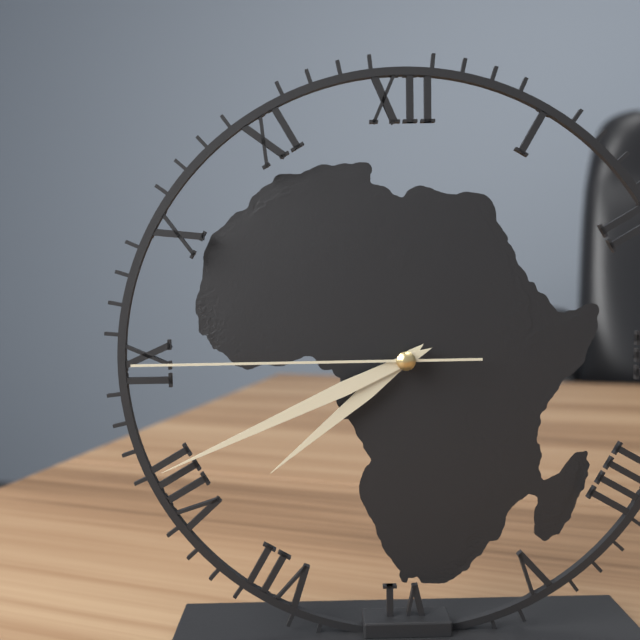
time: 7:41:45
